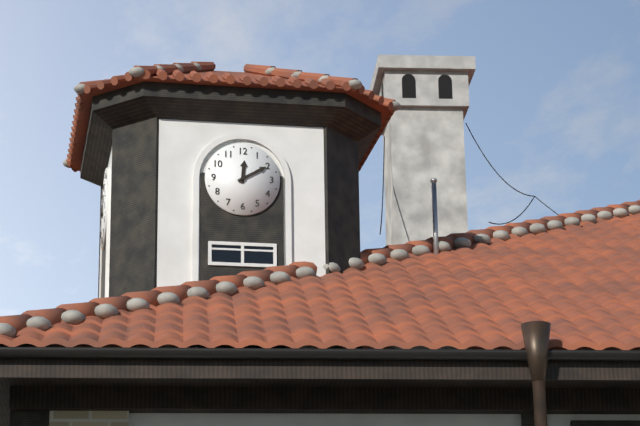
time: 12:10
